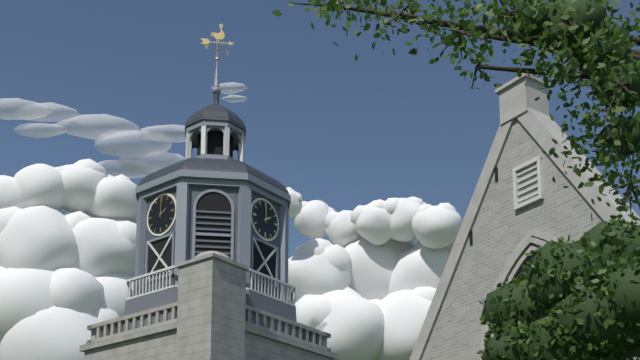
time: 2:00
